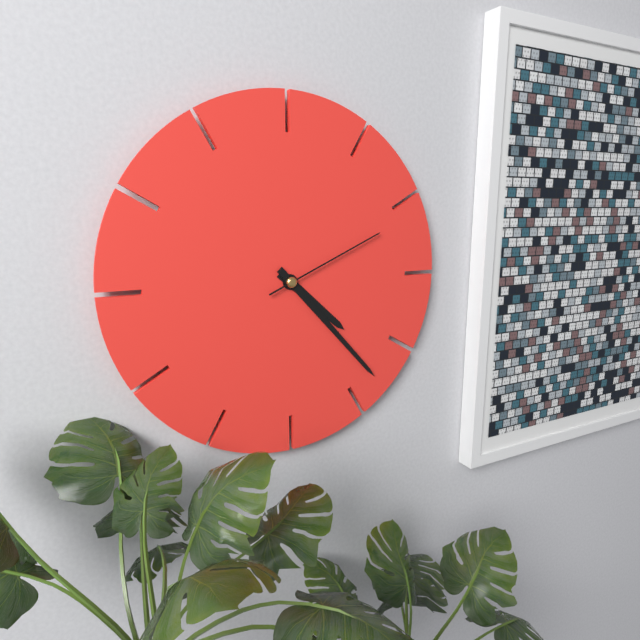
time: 4:23:11
